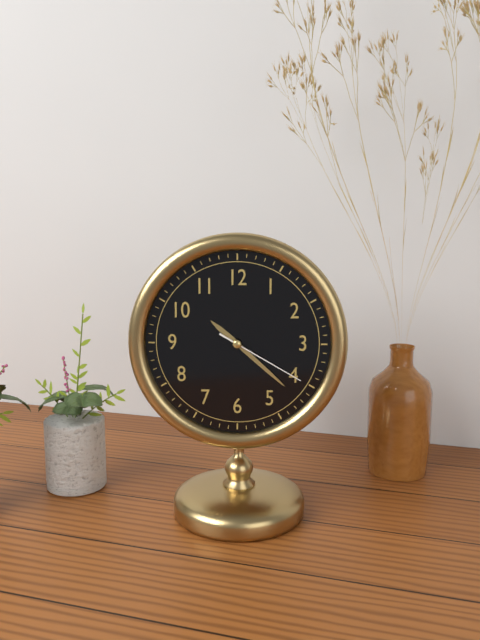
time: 10:22:20
